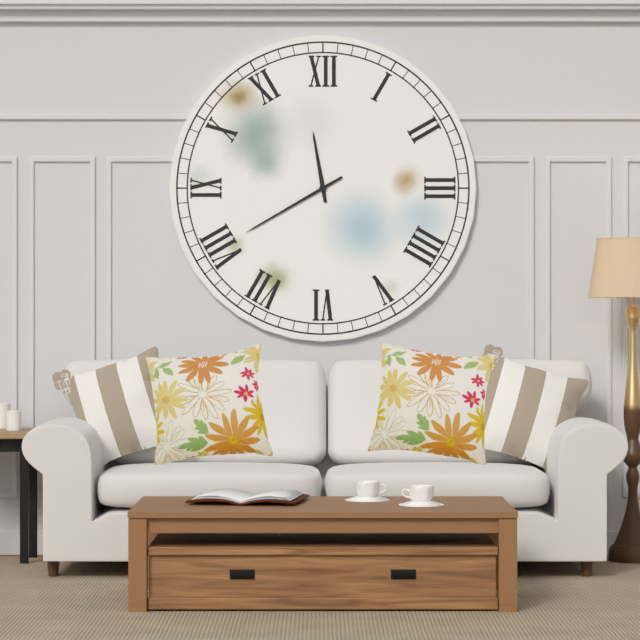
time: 11:40
